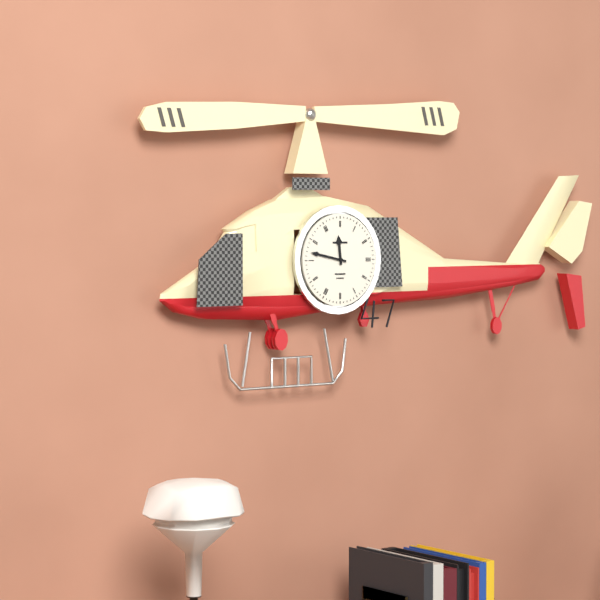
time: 11:47
